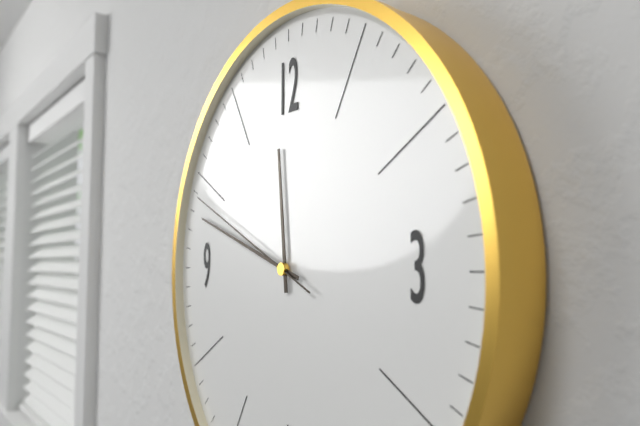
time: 11:48:49
